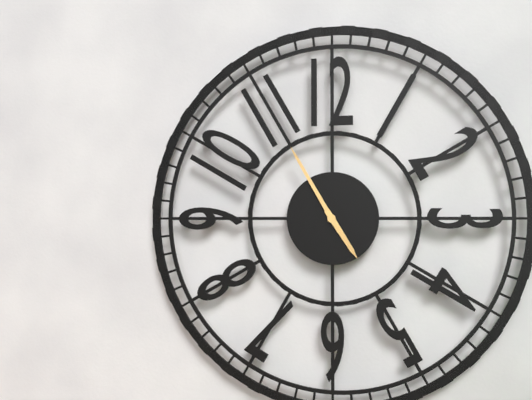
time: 4:55
